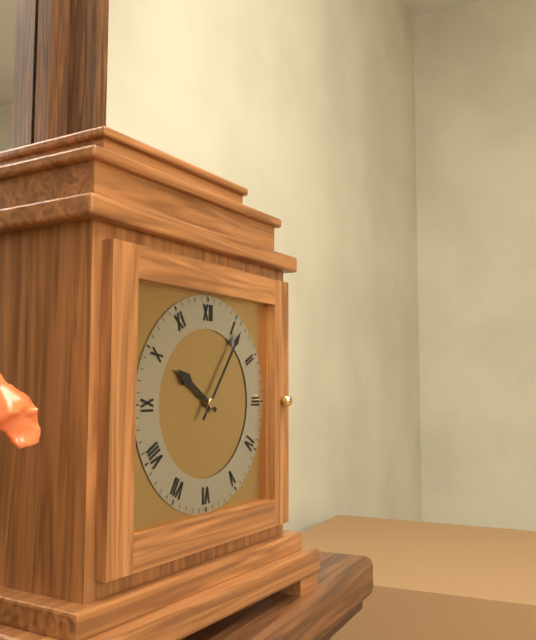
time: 10:06
